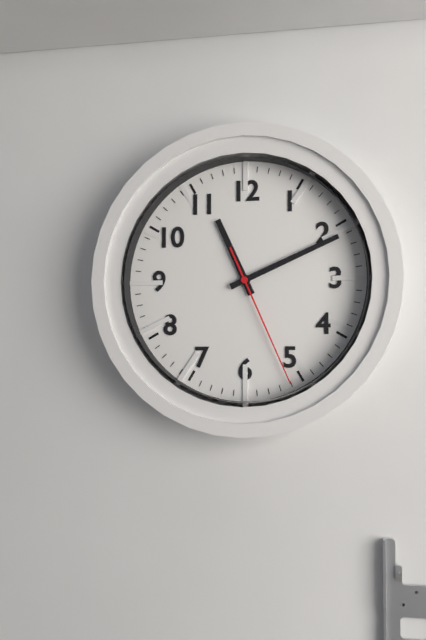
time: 11:11:26
